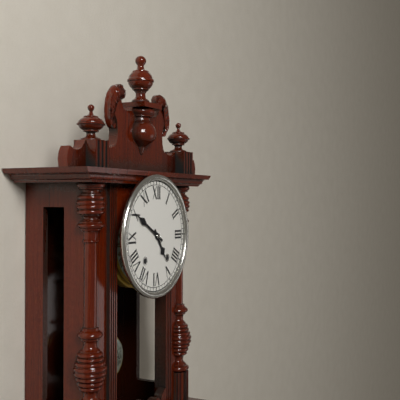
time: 4:50
